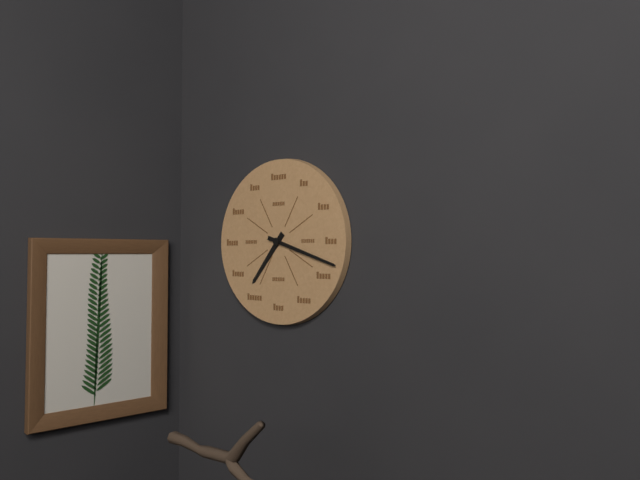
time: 7:18
